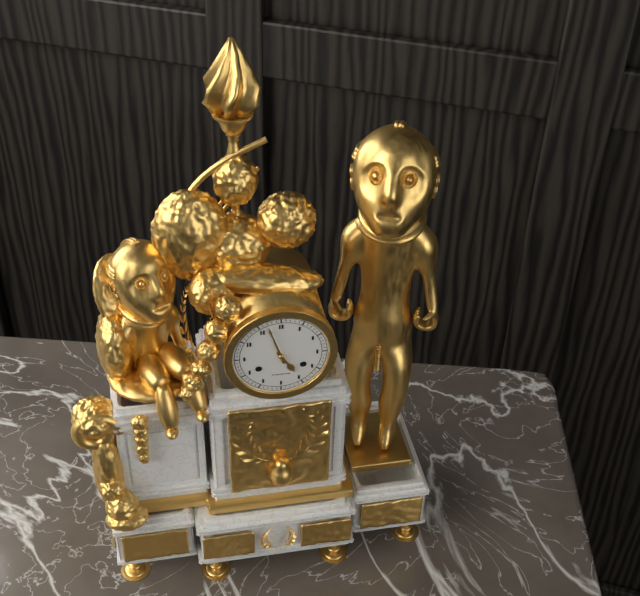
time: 4:57
